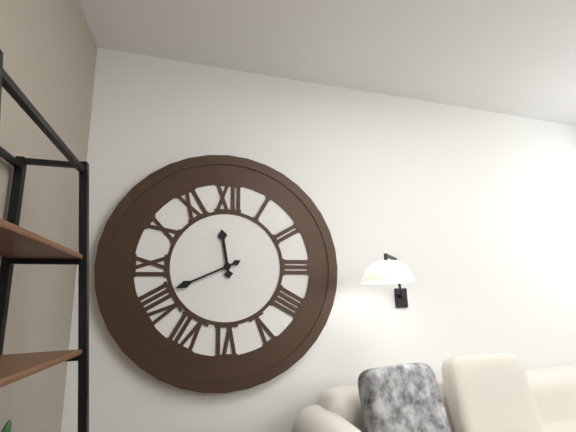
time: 11:41
